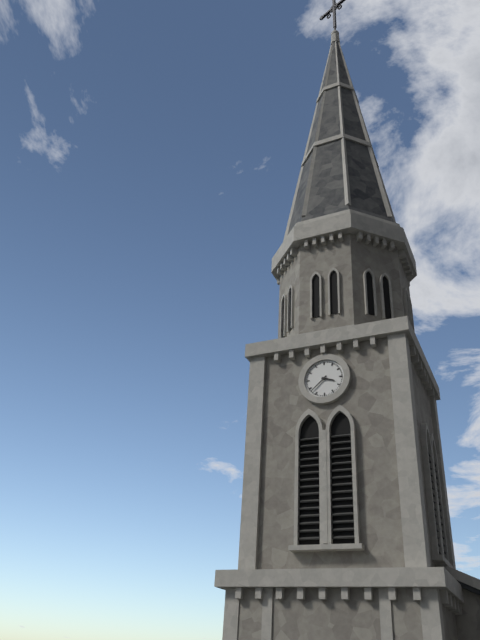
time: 3:38
